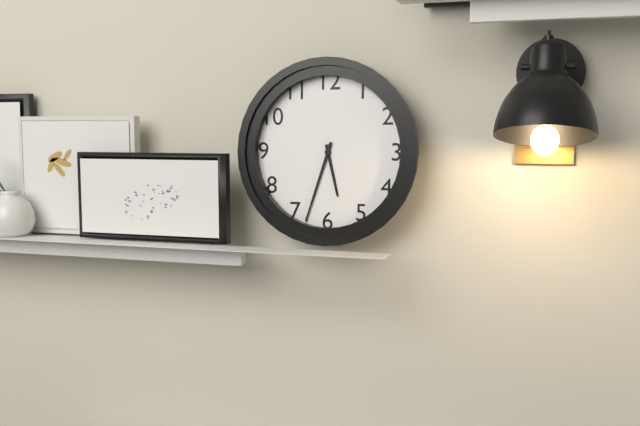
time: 5:33
